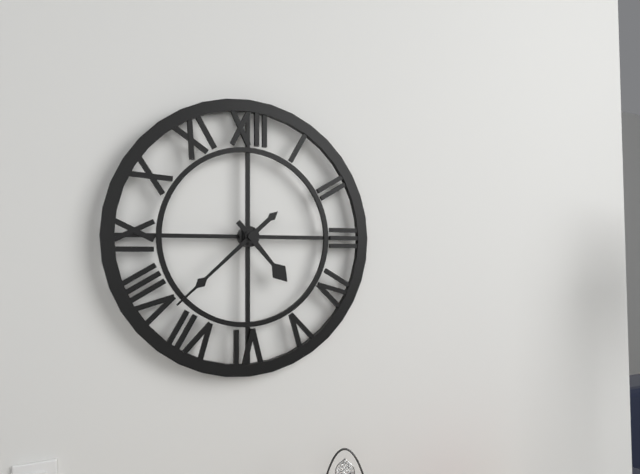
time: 4:38
